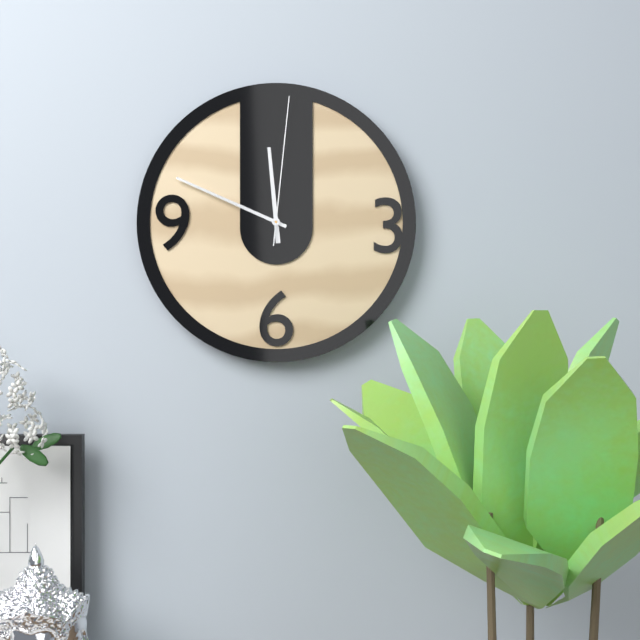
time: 11:49:01
